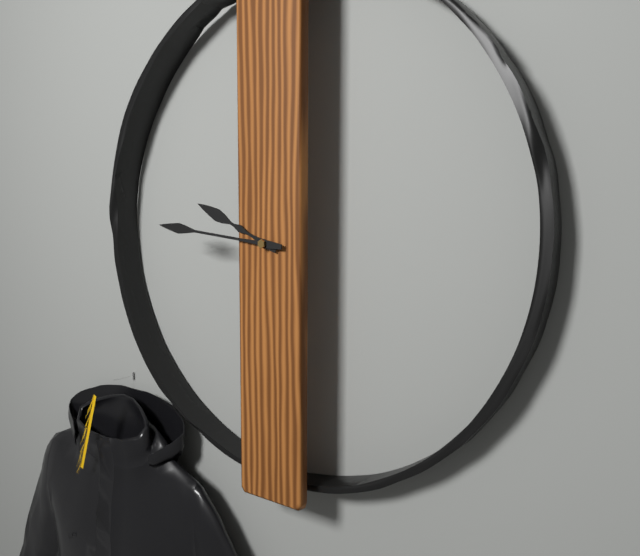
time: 9:46
